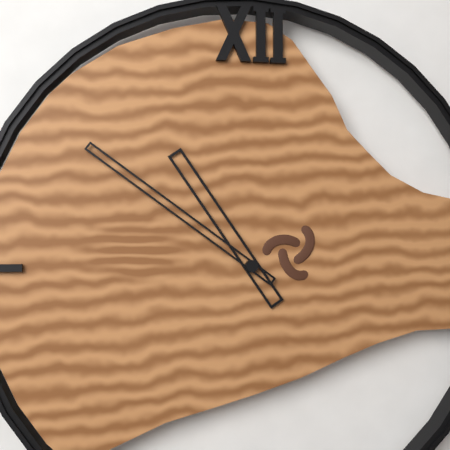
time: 10:51
